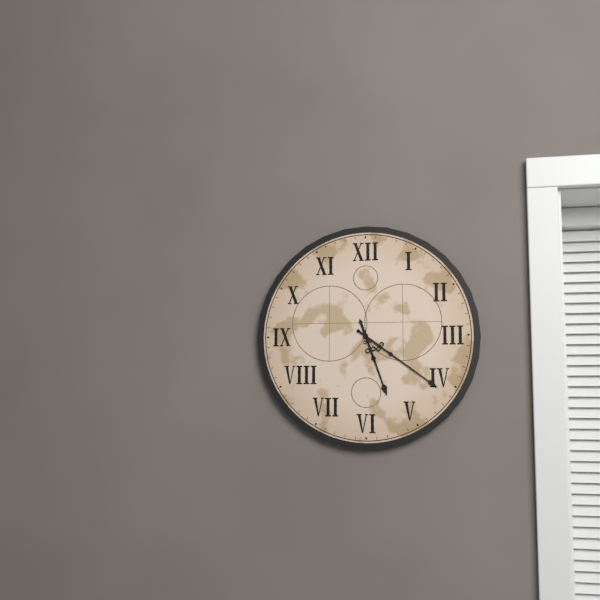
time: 5:21
